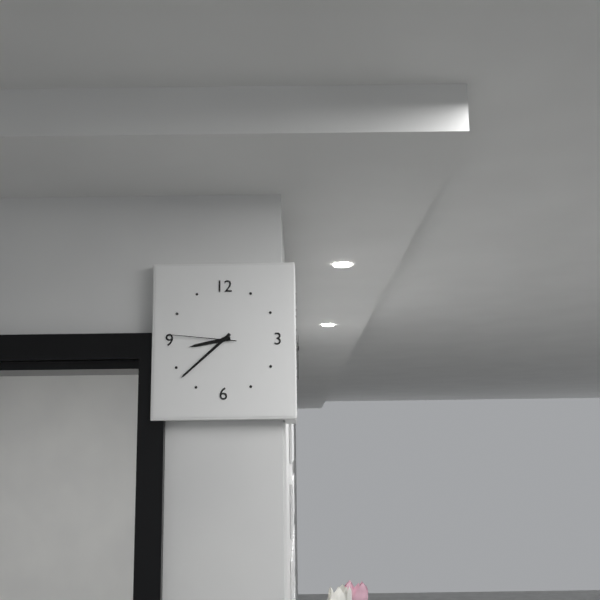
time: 8:38:46
